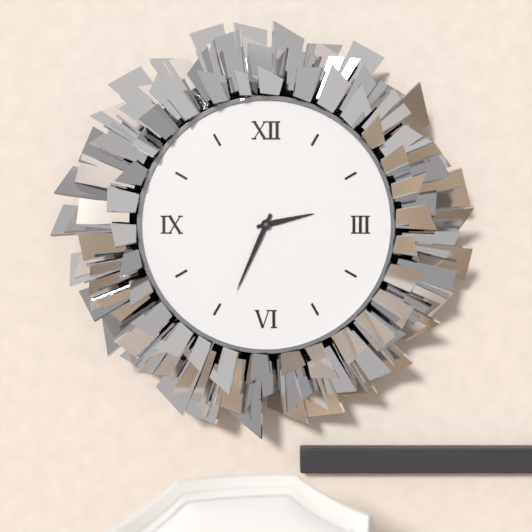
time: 2:34
